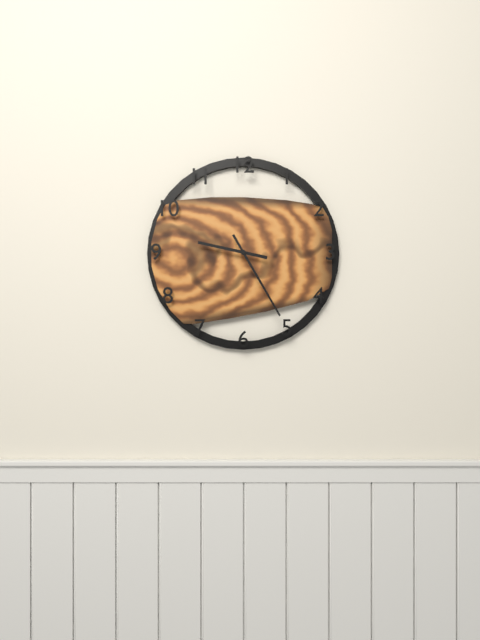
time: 9:25
